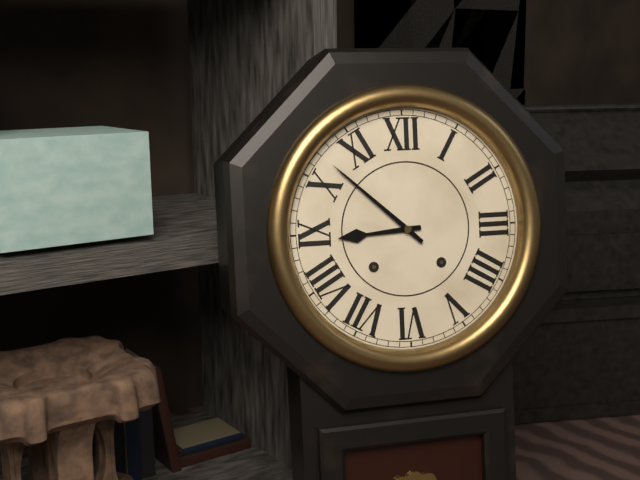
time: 8:52
